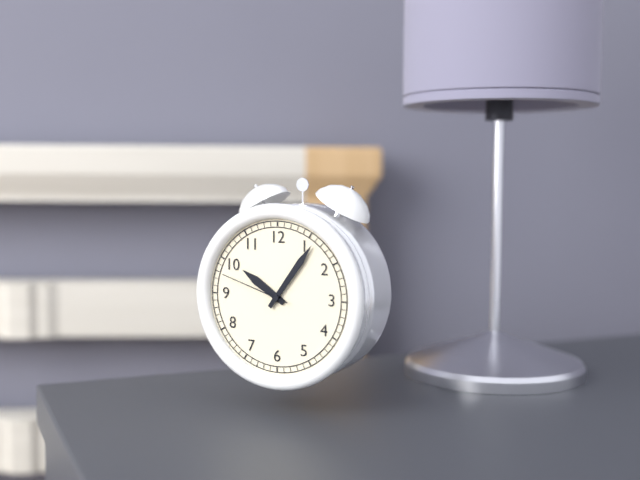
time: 10:06:48
